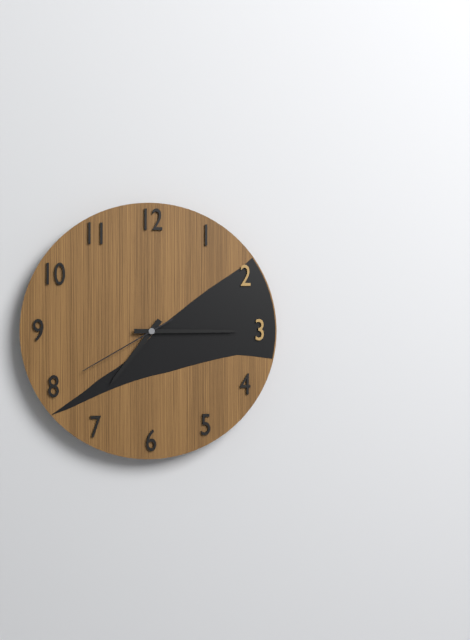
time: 7:15:40
